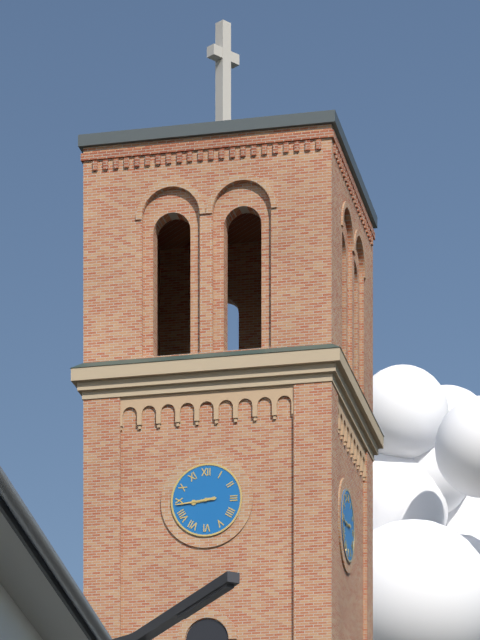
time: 8:44
